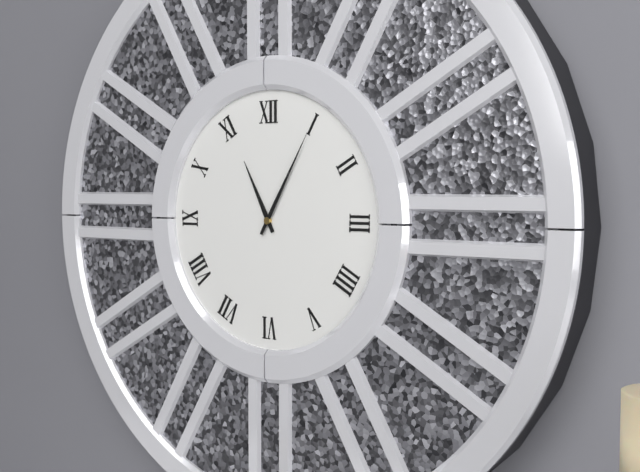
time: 11:05
